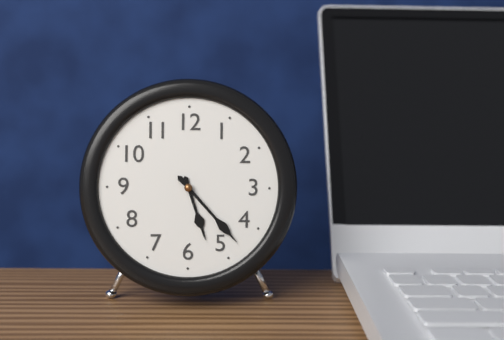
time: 5:23
